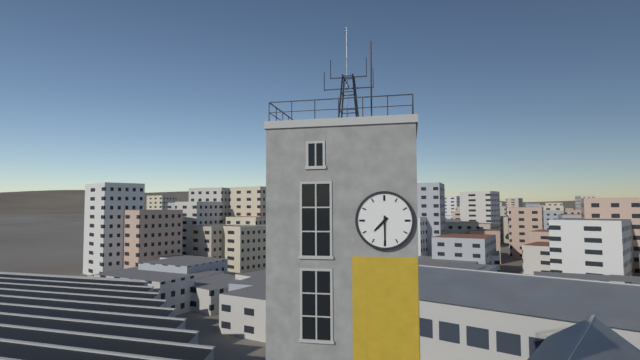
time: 7:30
